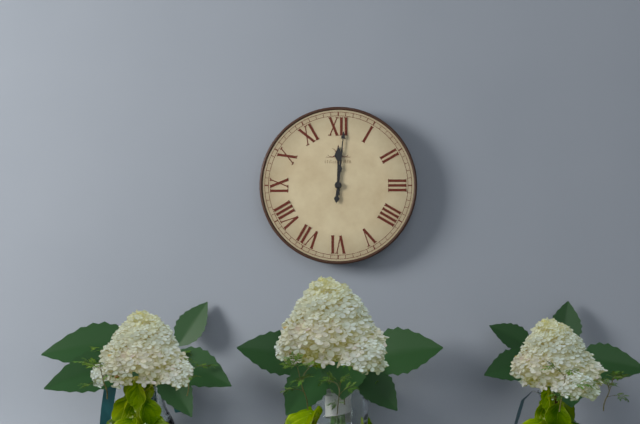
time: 12:01
